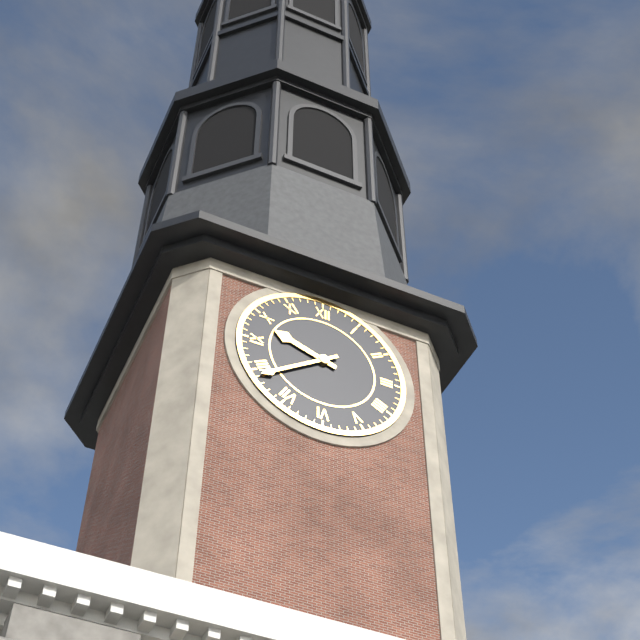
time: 9:39
